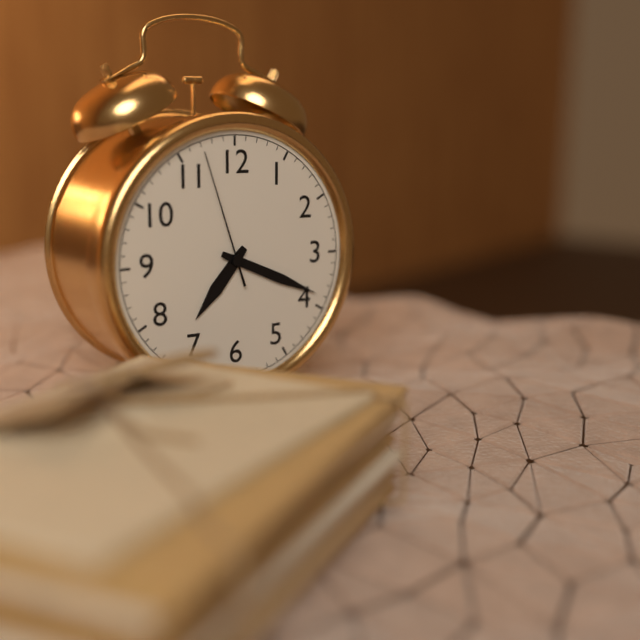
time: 7:19:57
